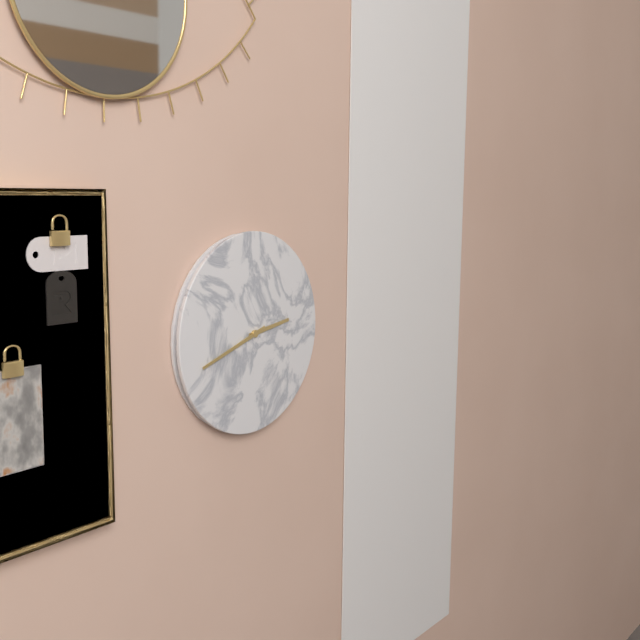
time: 2:42
